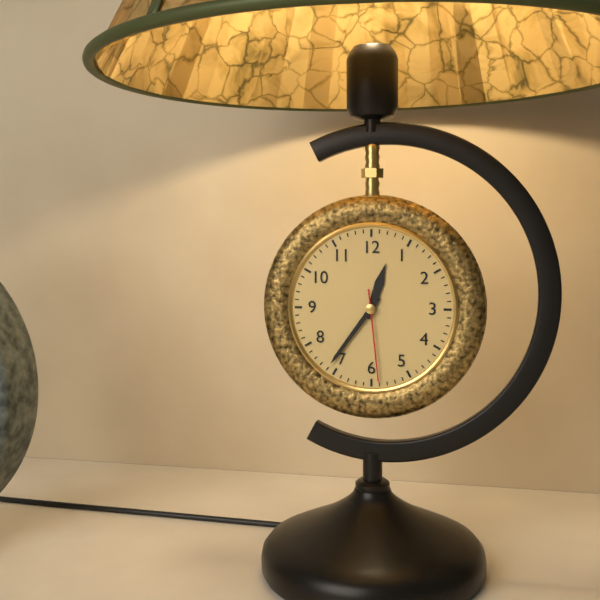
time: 12:36:29
